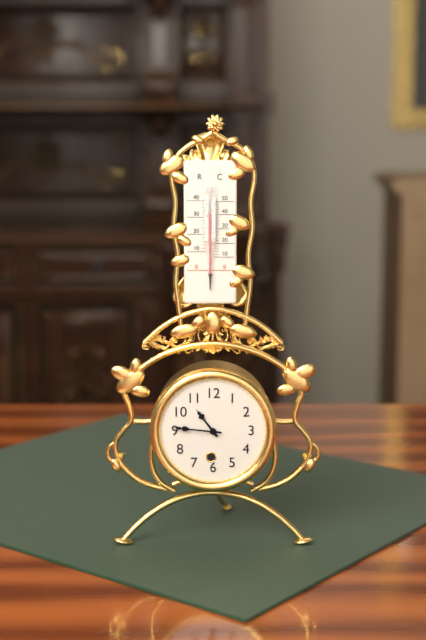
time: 10:46
